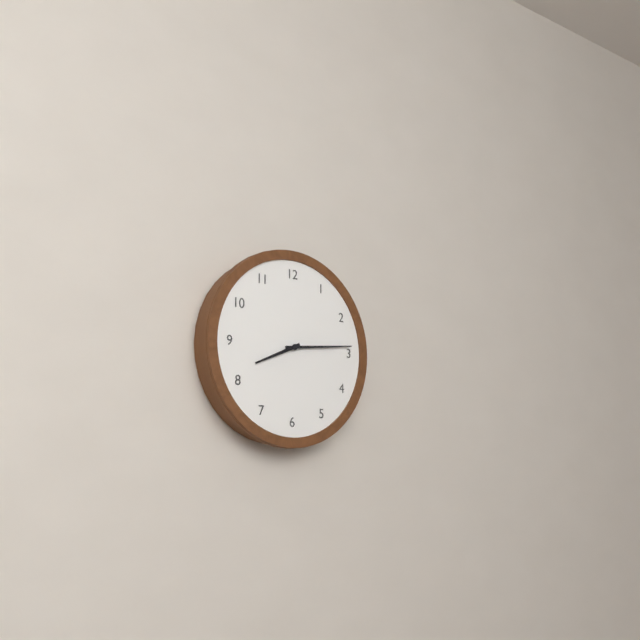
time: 8:14
